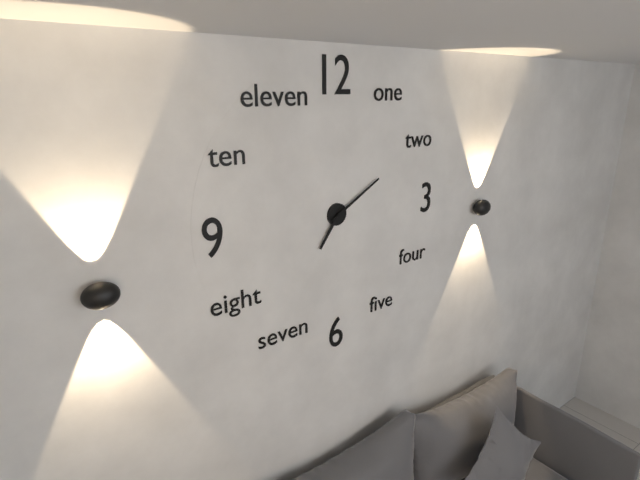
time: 7:10
